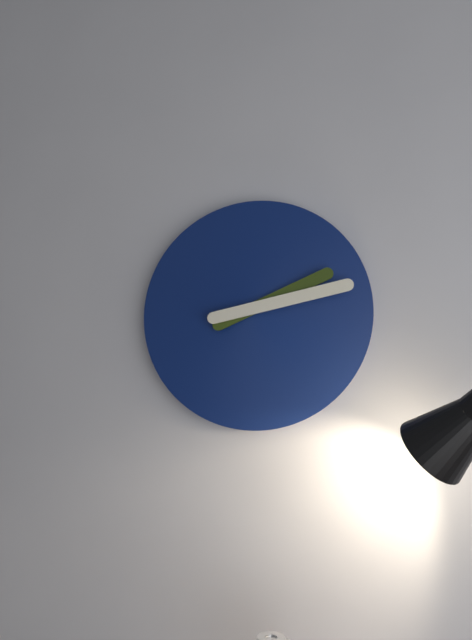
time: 2:13
